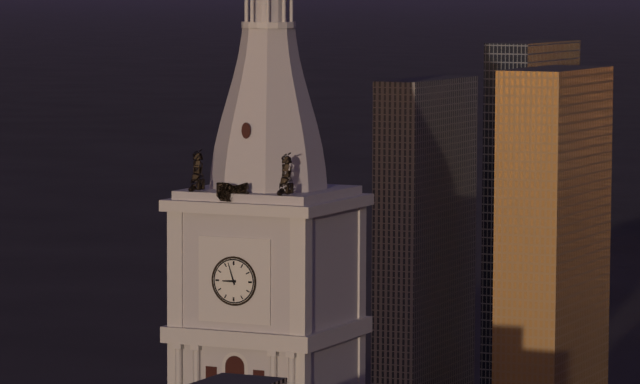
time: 8:57
